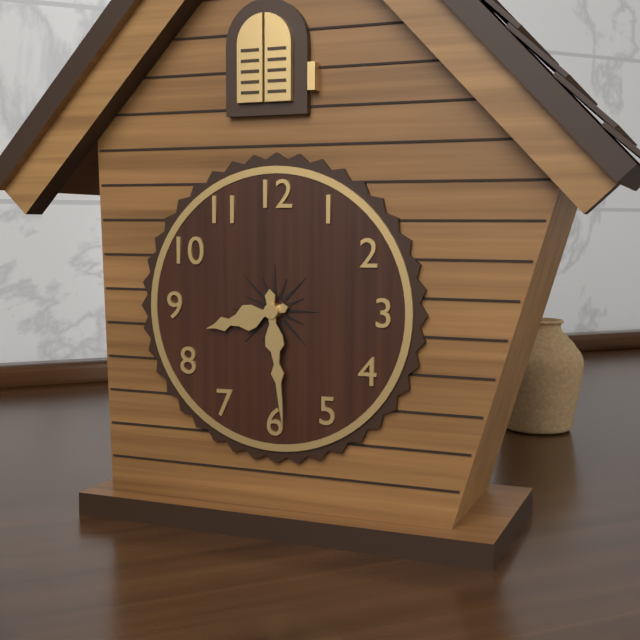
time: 8:29
